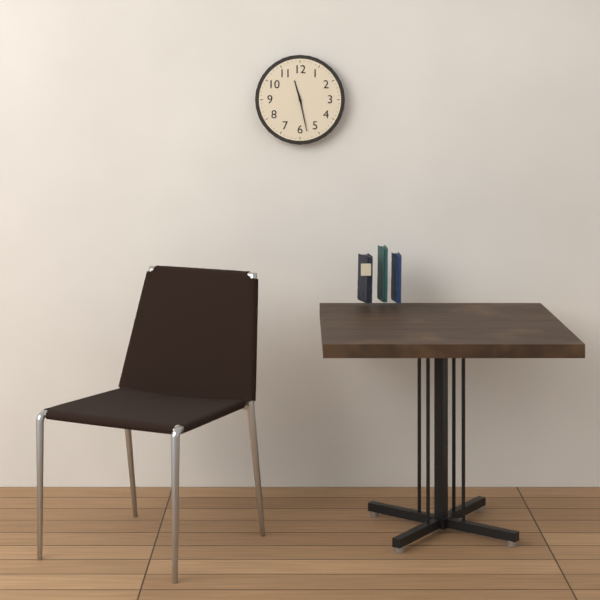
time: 11:28
